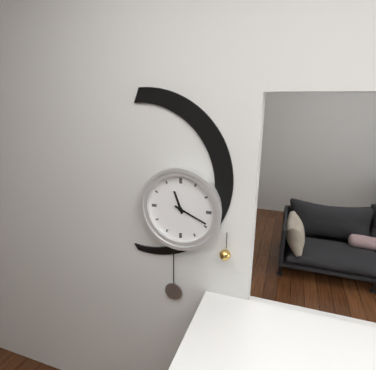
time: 11:19
